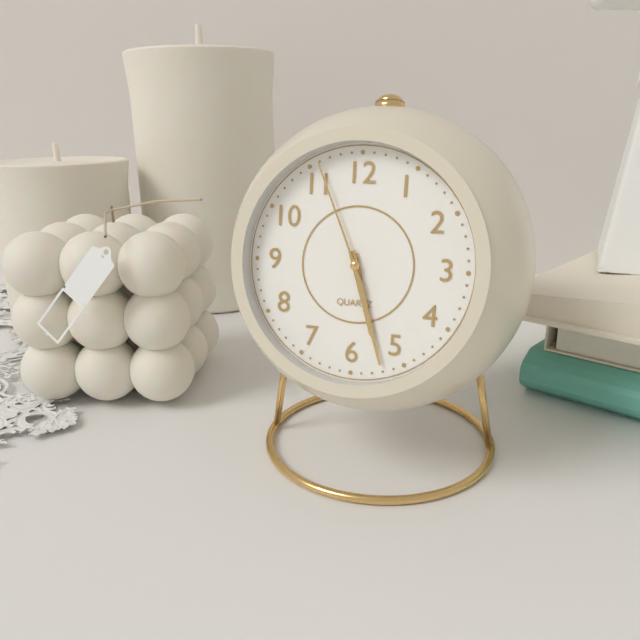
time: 5:27:56
